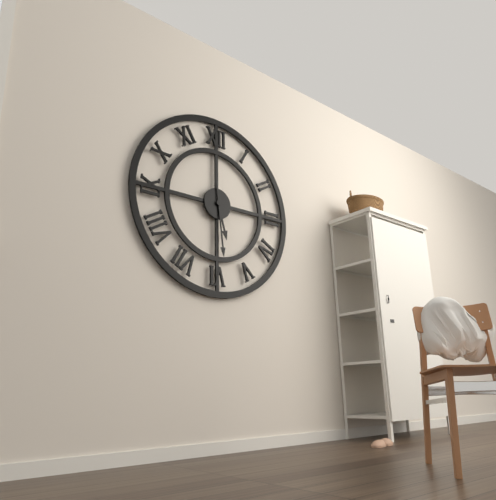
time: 5:29
